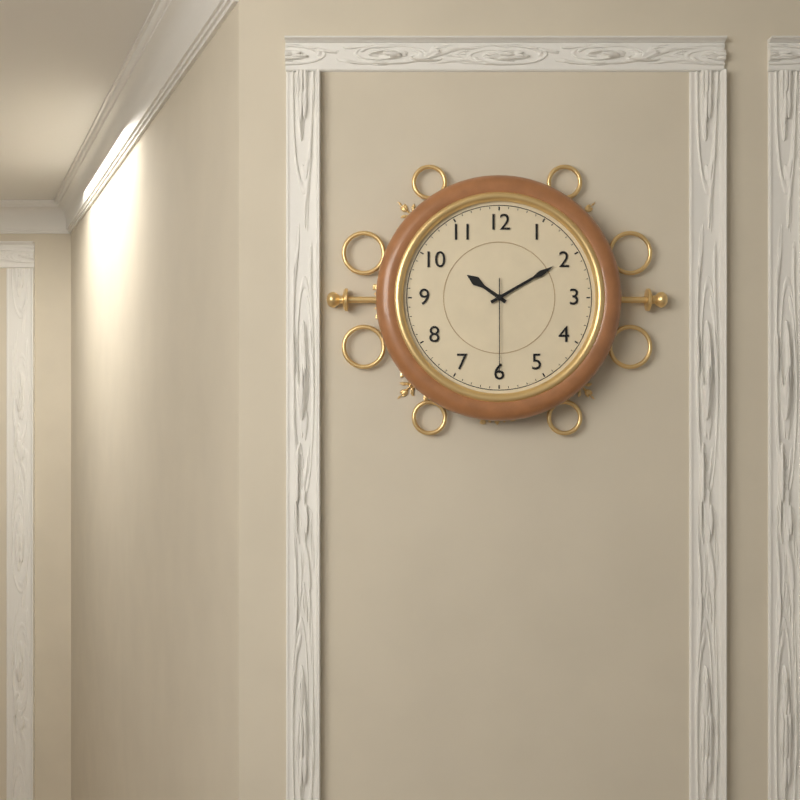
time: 10:10:30
